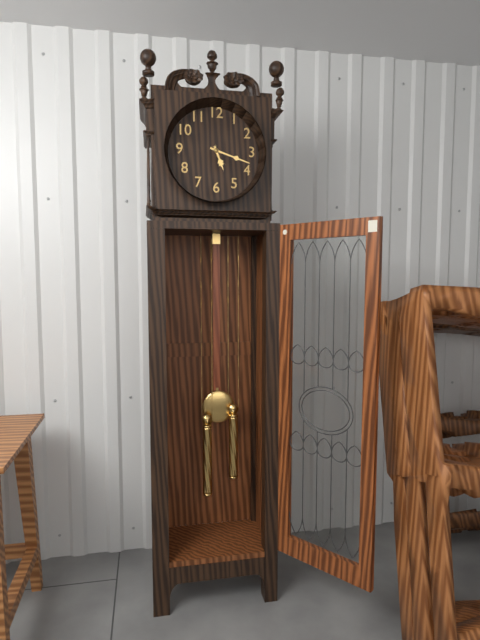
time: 5:18
